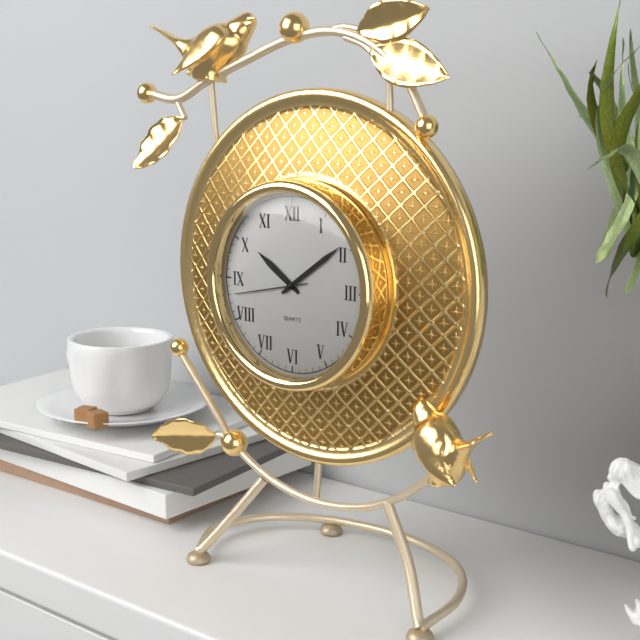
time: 10:09:43
